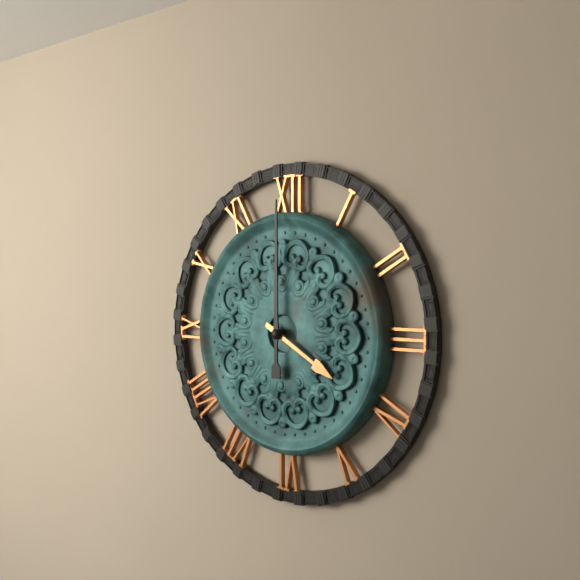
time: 4:00
